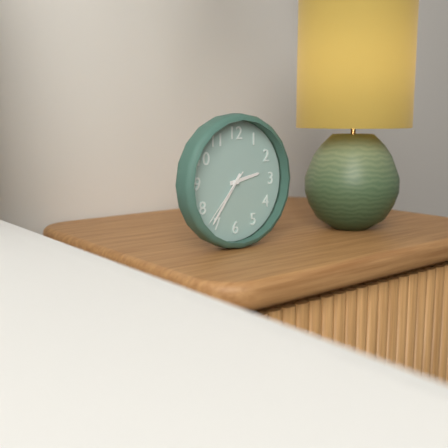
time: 2:36:37
